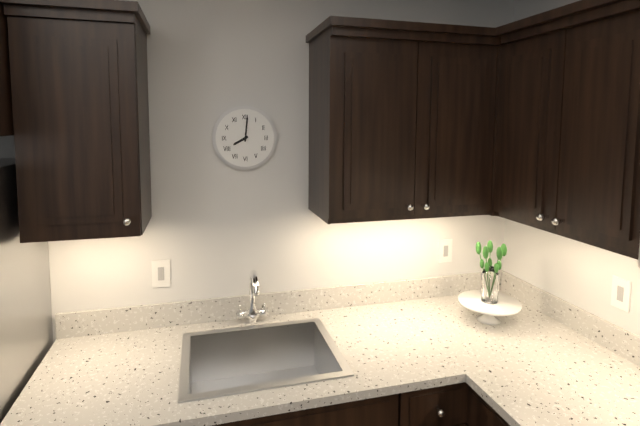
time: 8:01
